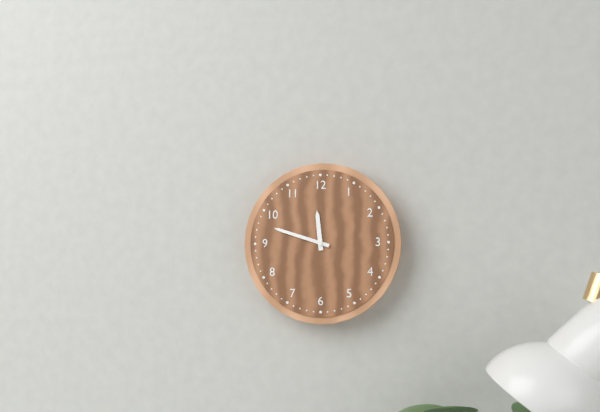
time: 11:48
